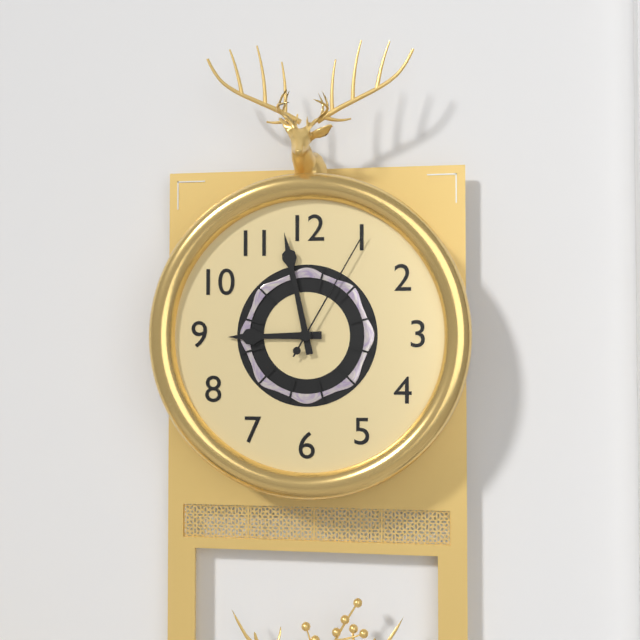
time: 8:58:05
